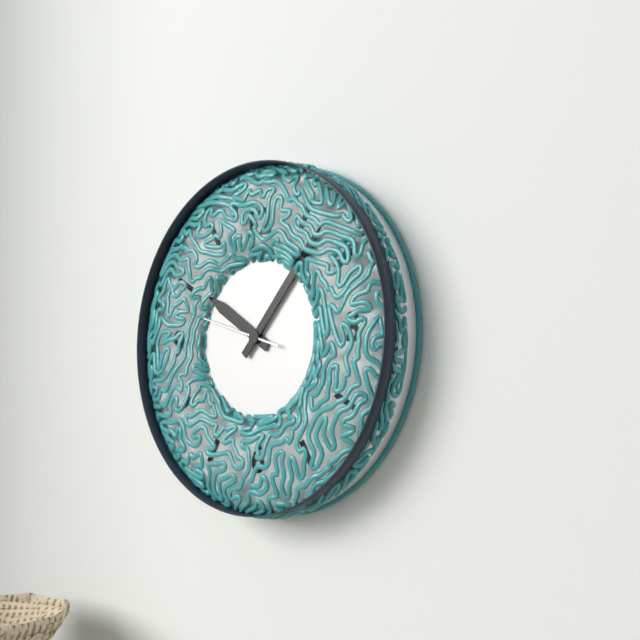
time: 10:07
